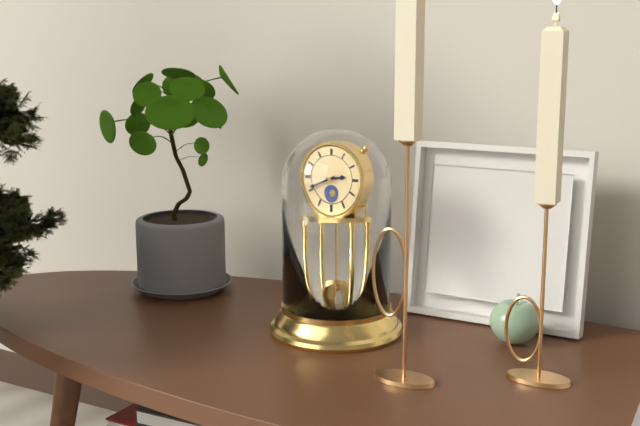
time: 2:41
